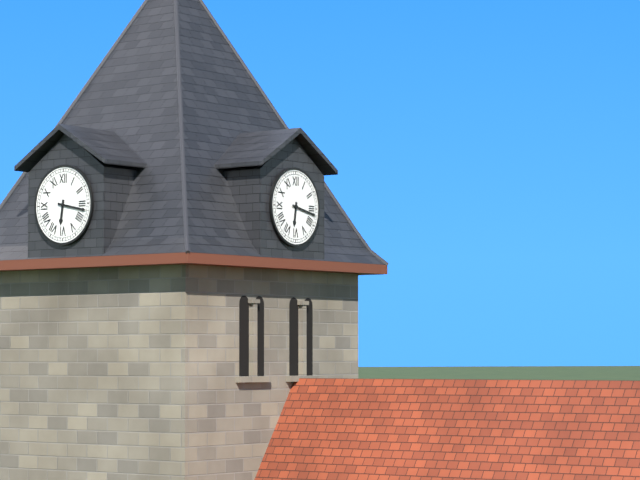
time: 6:17
